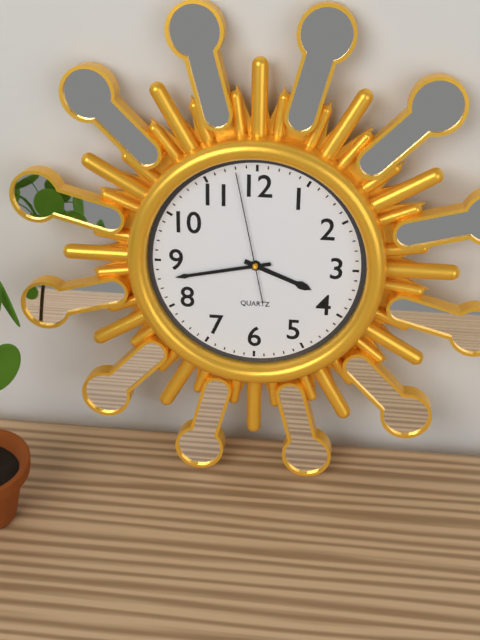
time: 3:43:58
